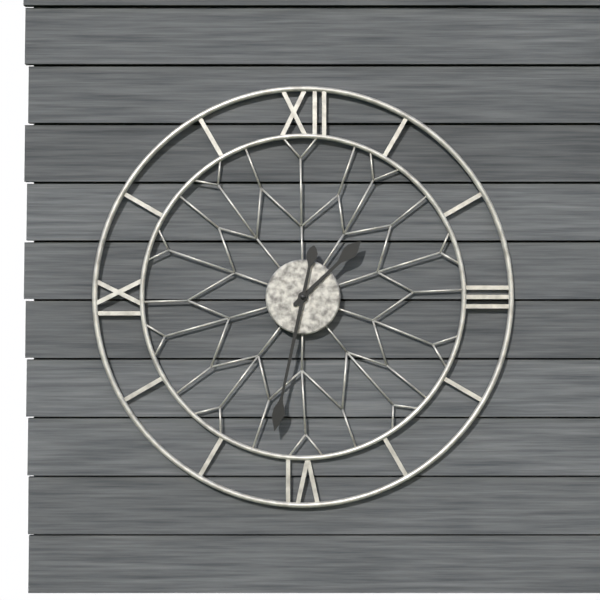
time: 1:32
